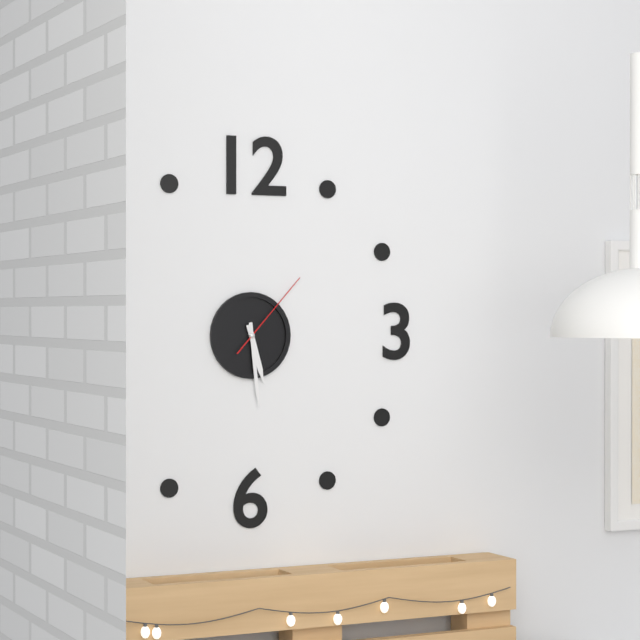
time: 5:29:07
